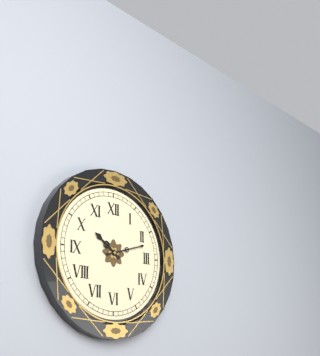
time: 10:12
